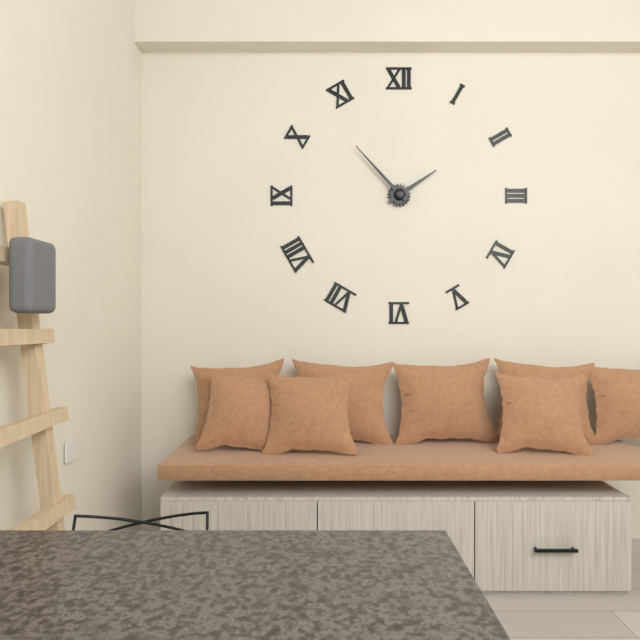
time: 1:53
